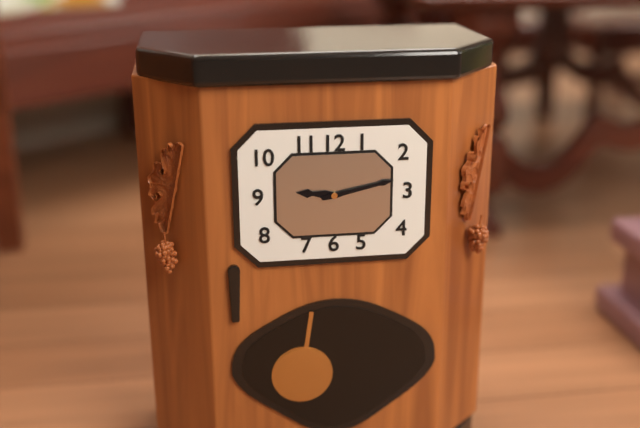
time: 9:13
